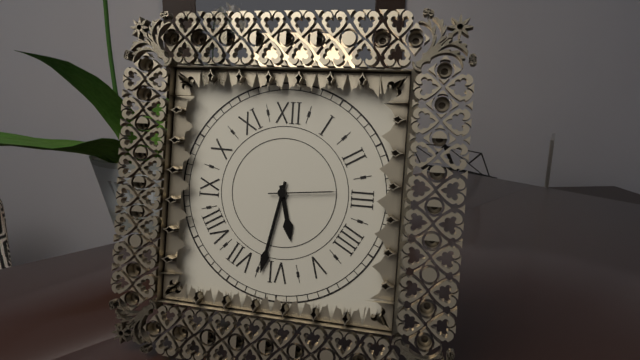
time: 5:32:14
